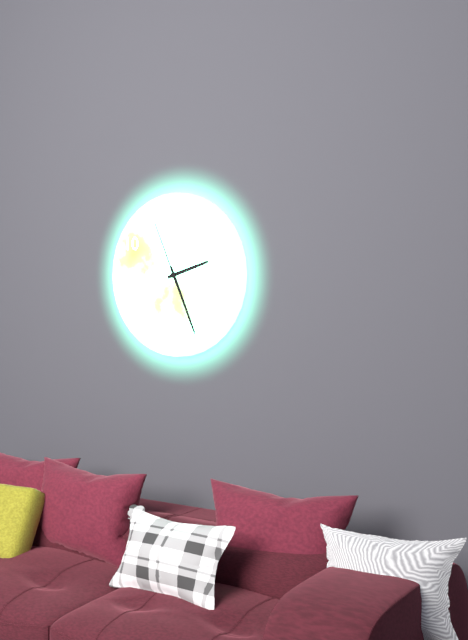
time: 2:26:56
